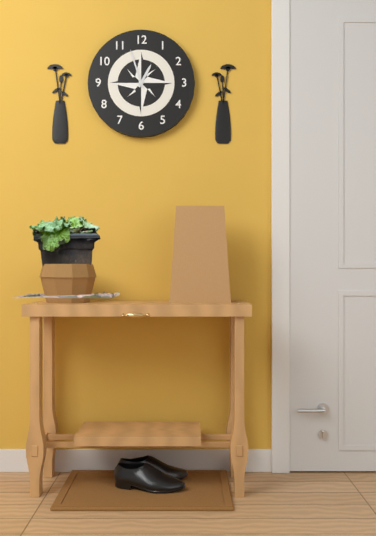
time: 12:57
